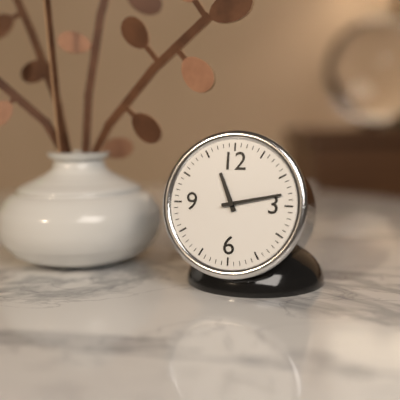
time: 11:13
